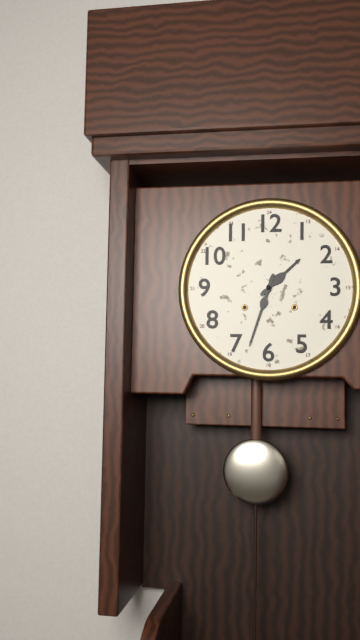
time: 1:33
